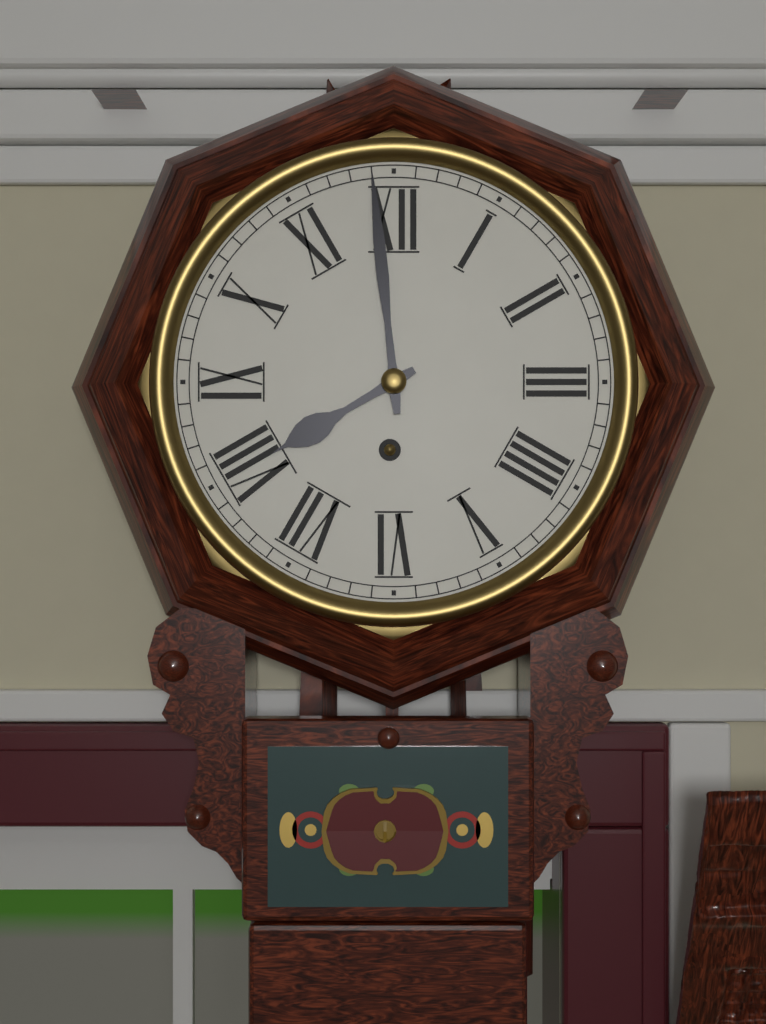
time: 7:59
